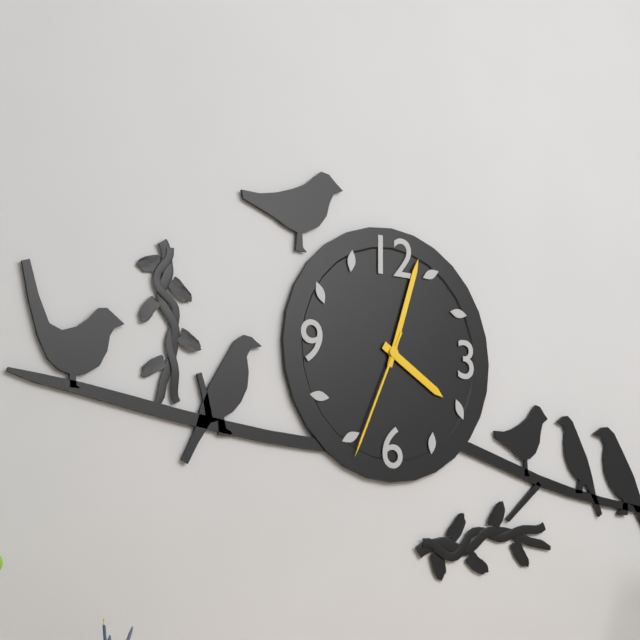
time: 4:03:34
